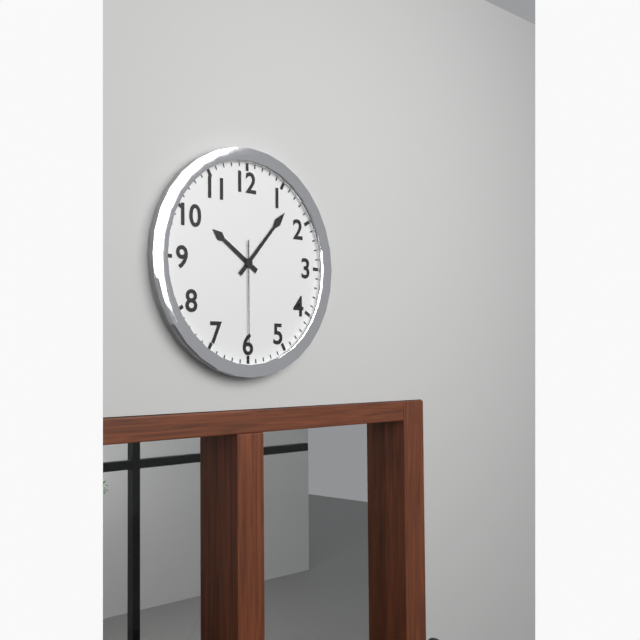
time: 10:07:30
